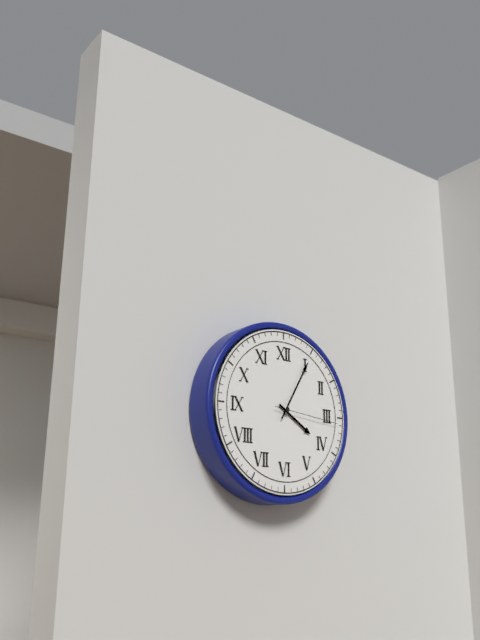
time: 4:05:16
